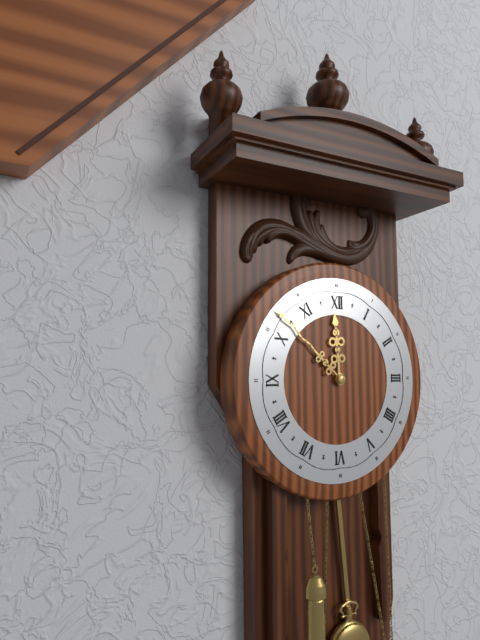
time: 11:52
